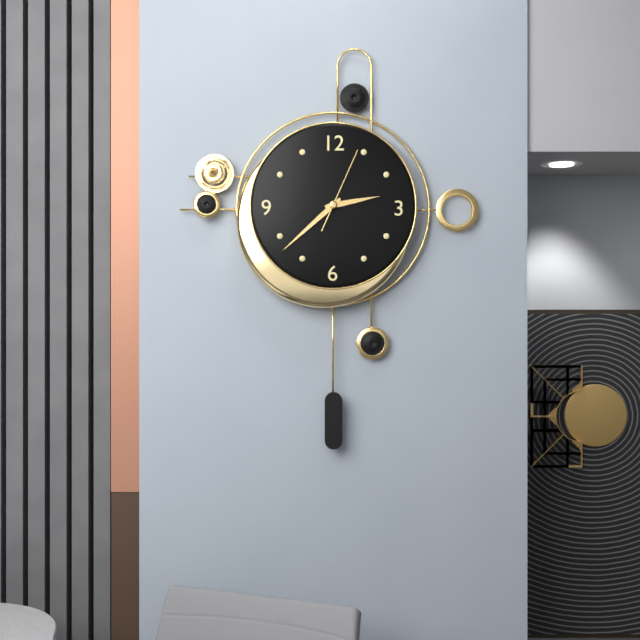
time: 2:38:04
